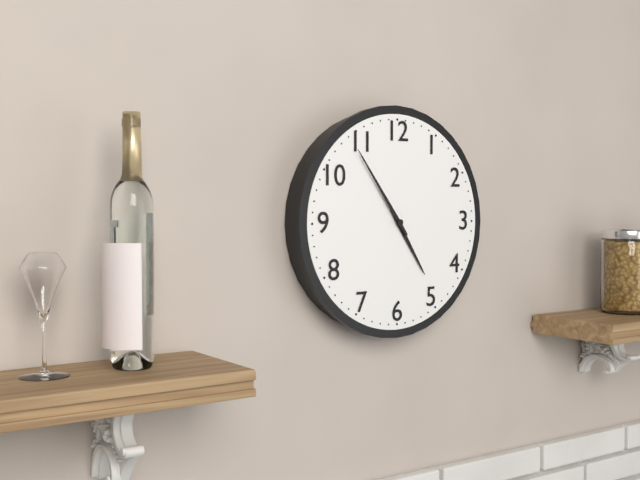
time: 4:54
